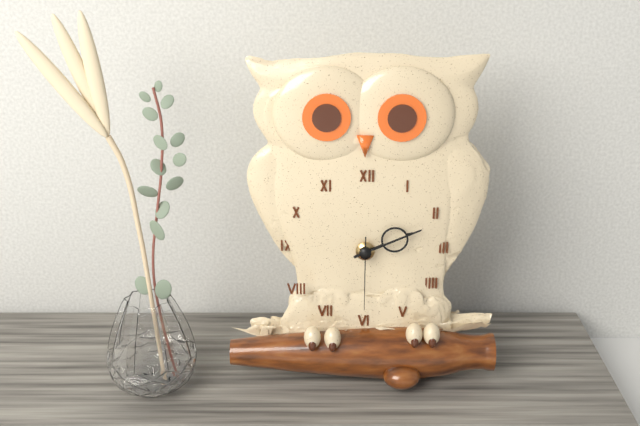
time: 2:11:30
